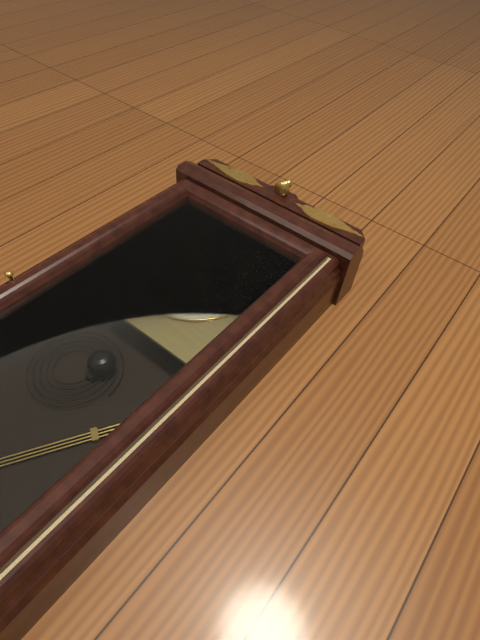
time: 6:35
